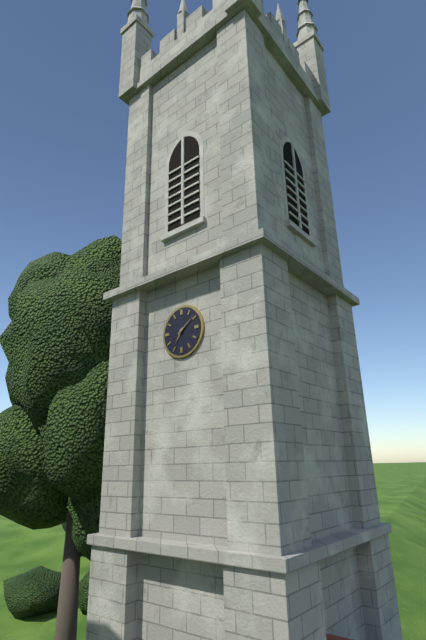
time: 7:09
